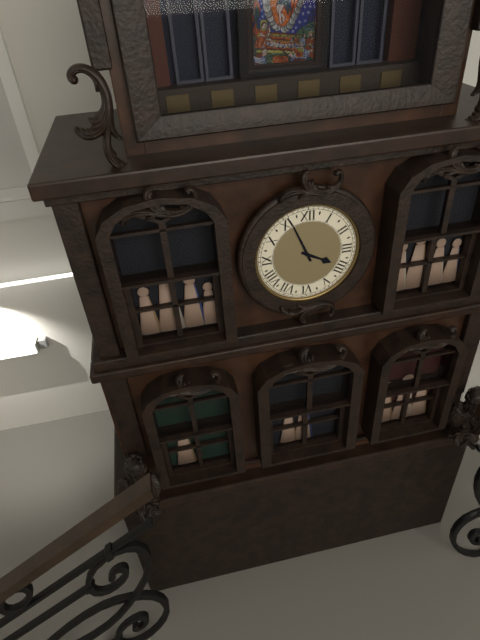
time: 3:56
